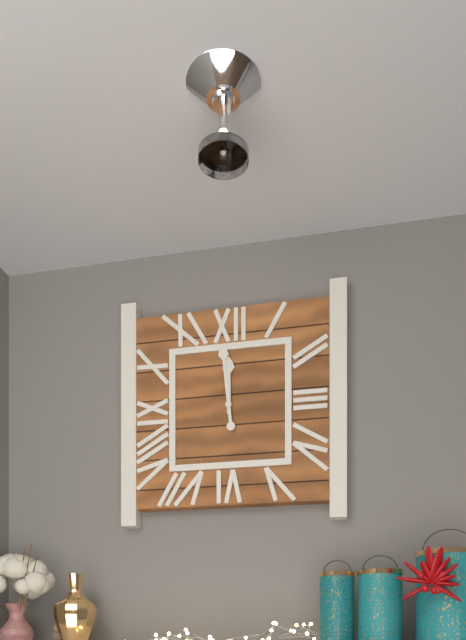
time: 11:59
